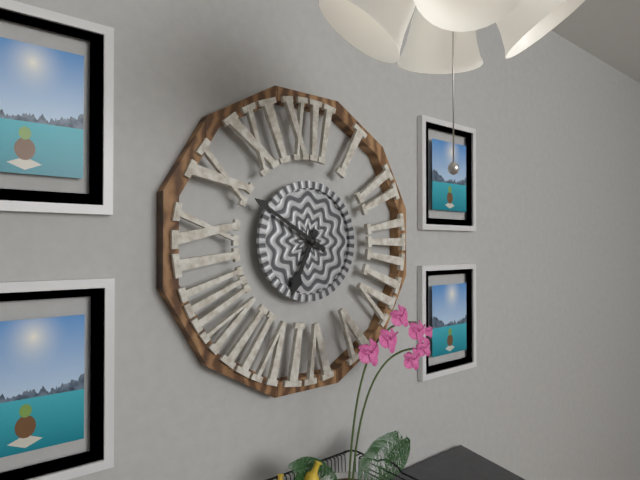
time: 6:50
